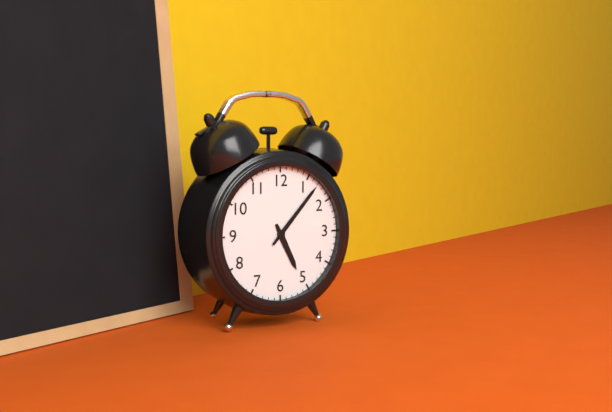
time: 5:07
